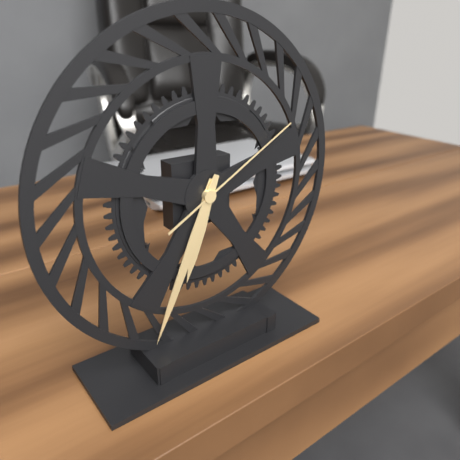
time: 6:34:10
